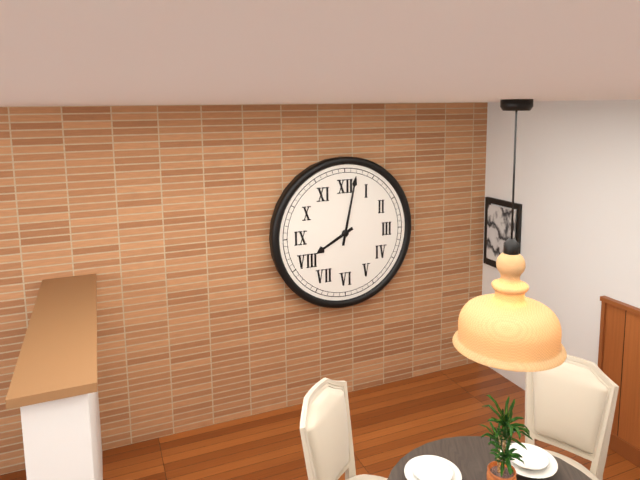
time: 8:02
